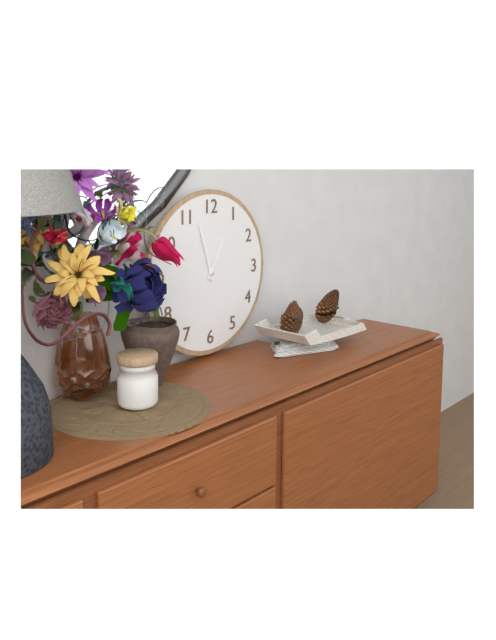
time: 12:57
